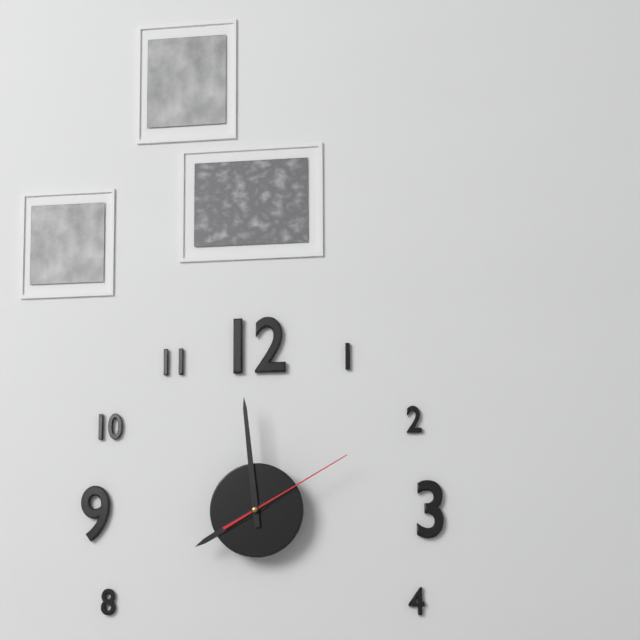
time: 7:59:10
